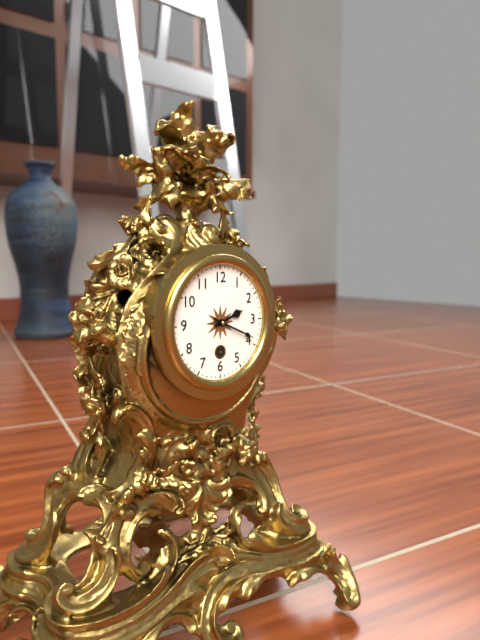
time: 2:19
